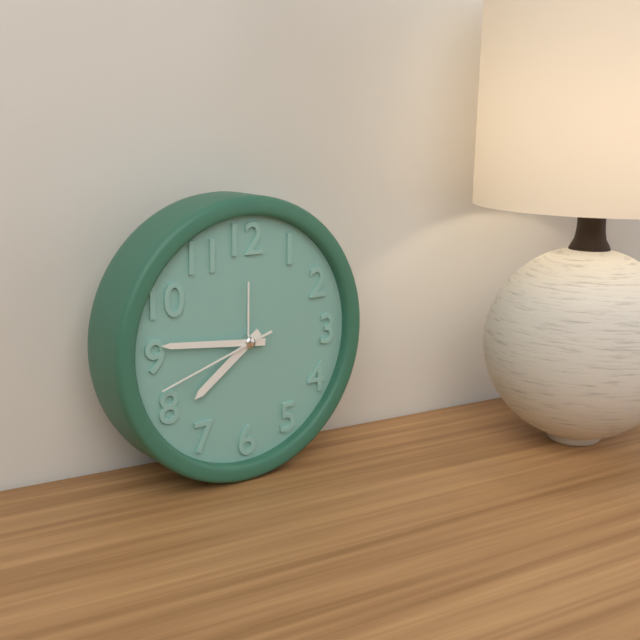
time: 7:46:42
